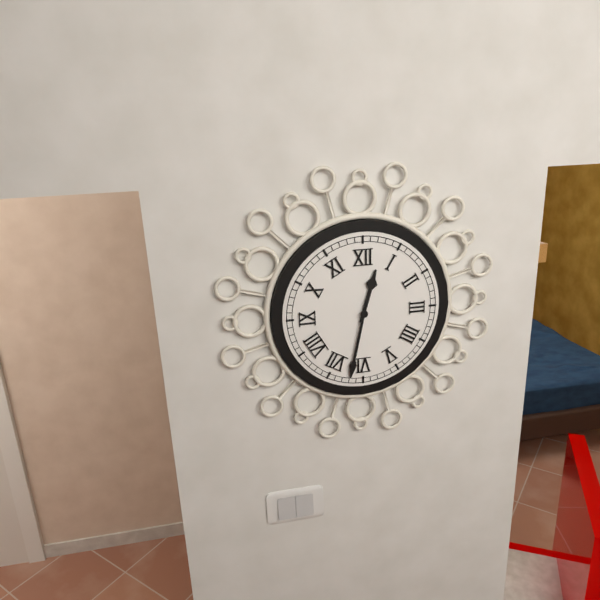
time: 12:32
